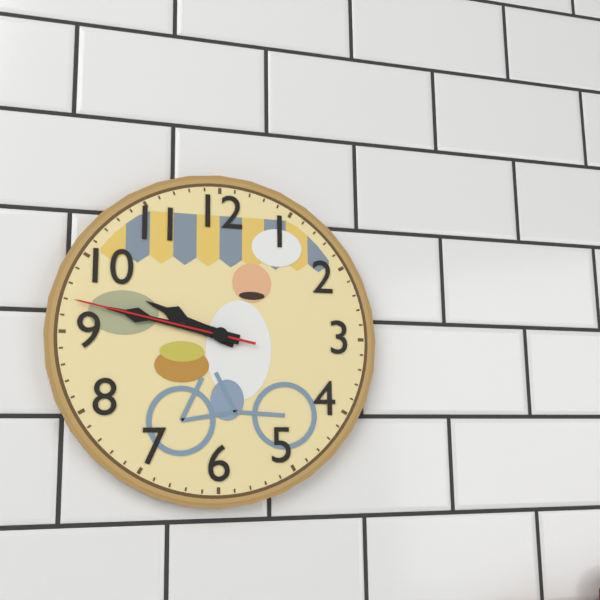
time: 9:47:47
